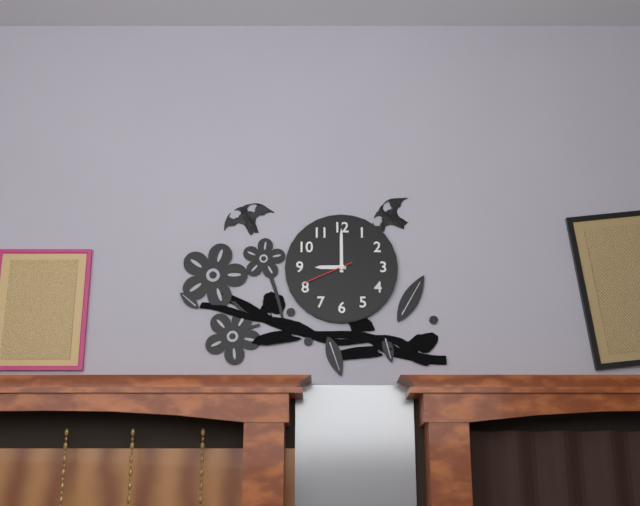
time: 9:00:41
